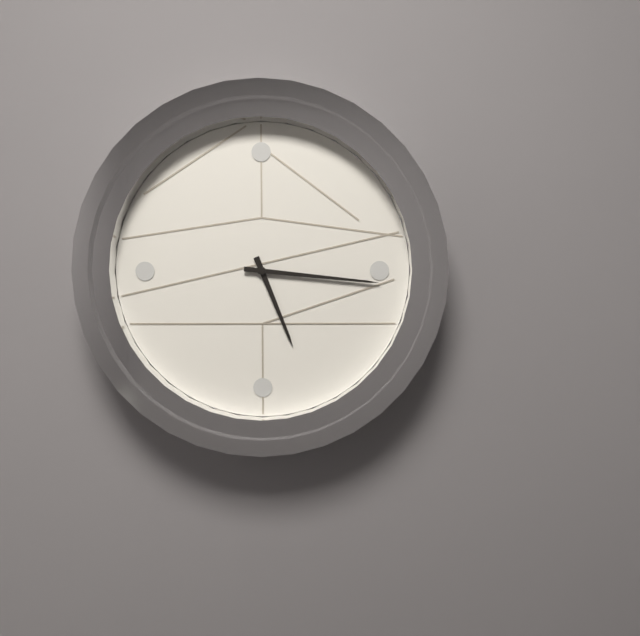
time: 5:16
